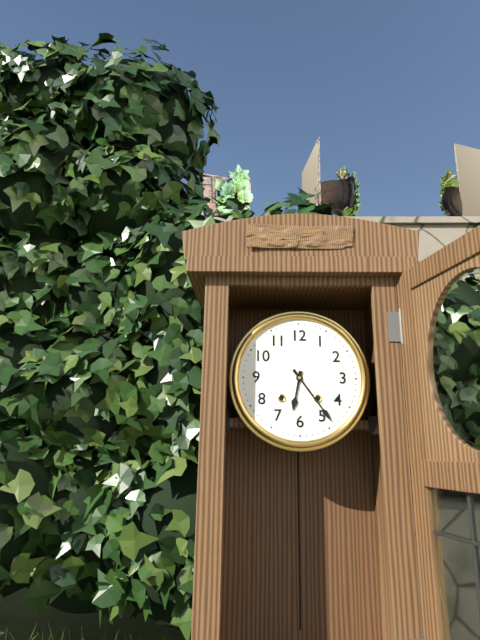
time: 6:24
